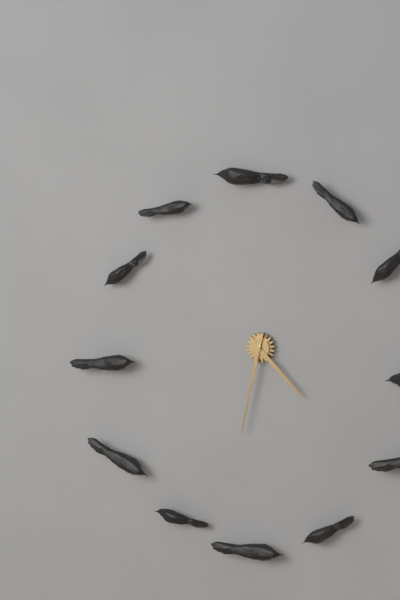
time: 4:32
